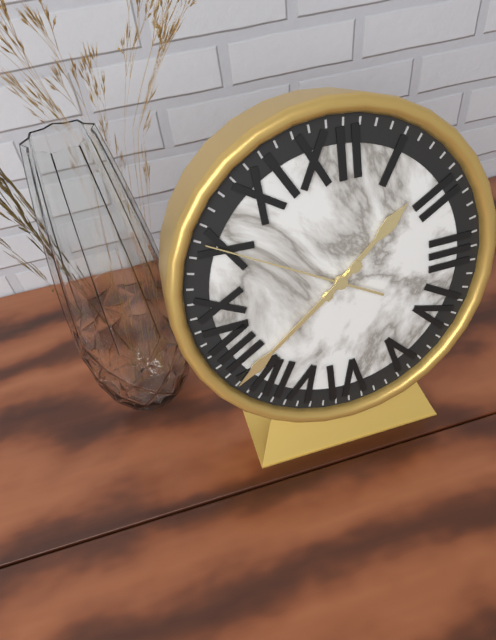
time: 1:39:50
